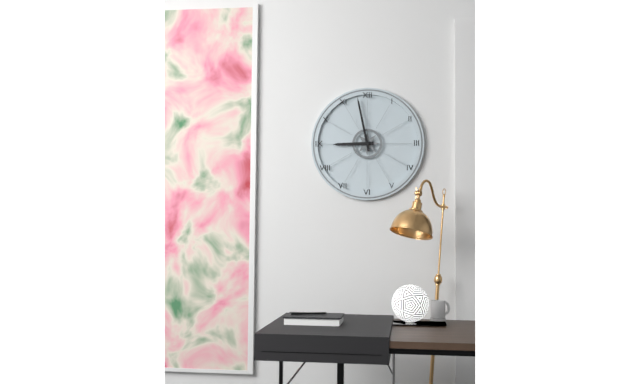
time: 8:58
